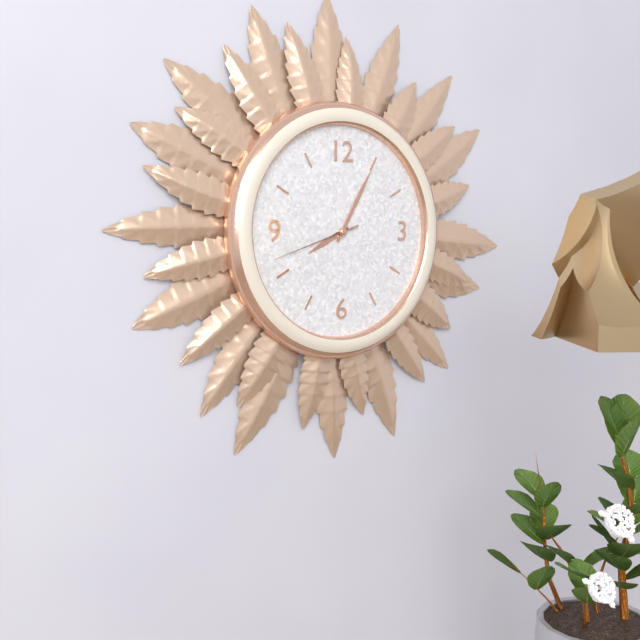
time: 8:05:42
